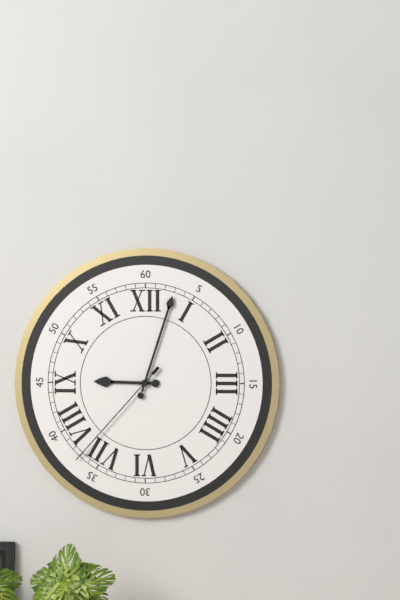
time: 9:03:37
